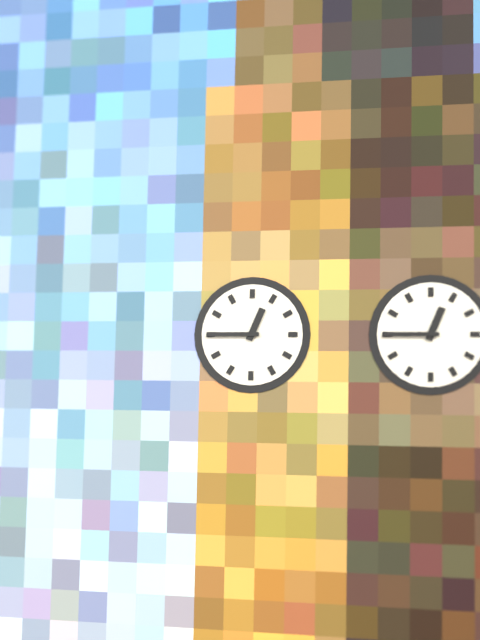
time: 12:45
